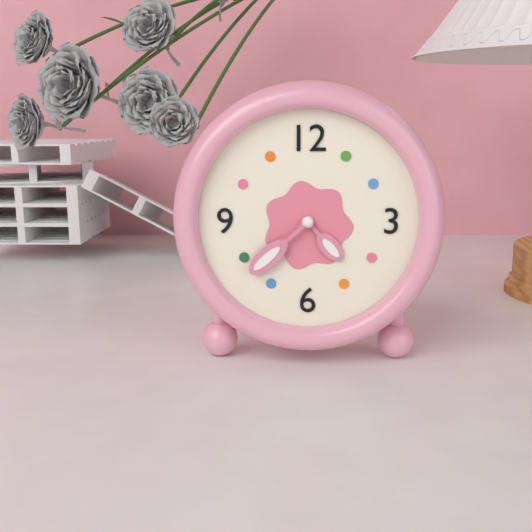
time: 4:38
